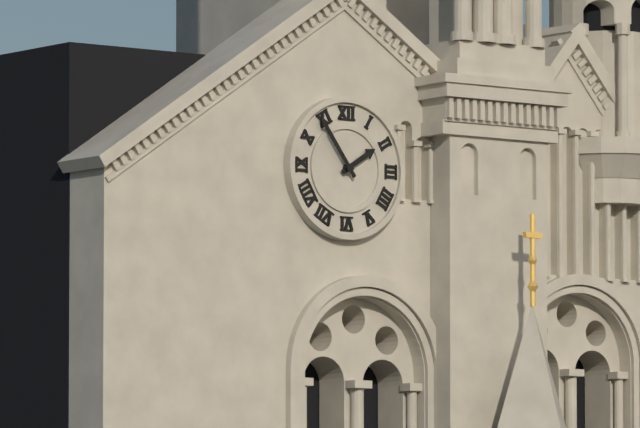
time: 1:54
